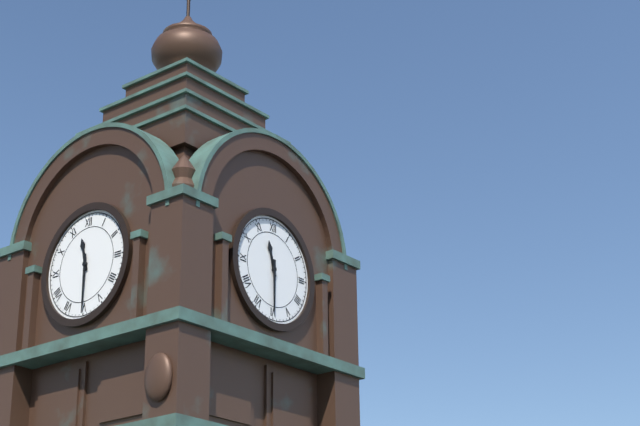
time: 11:30
